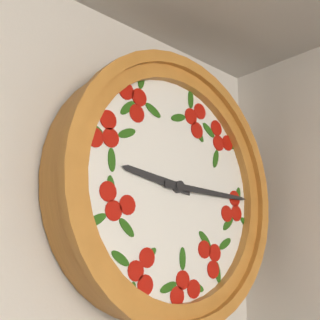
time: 9:15
